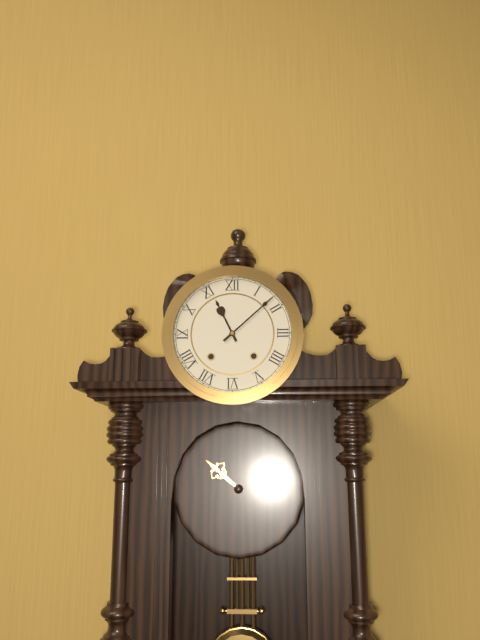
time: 11:08
